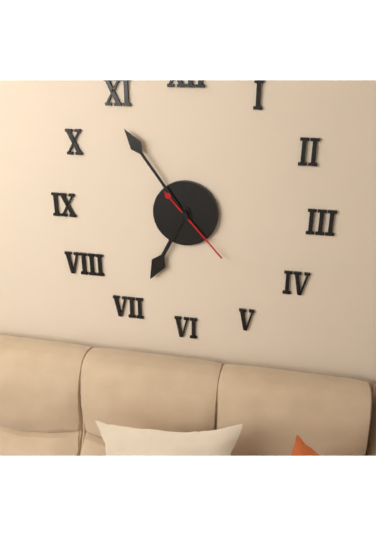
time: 6:54:23
